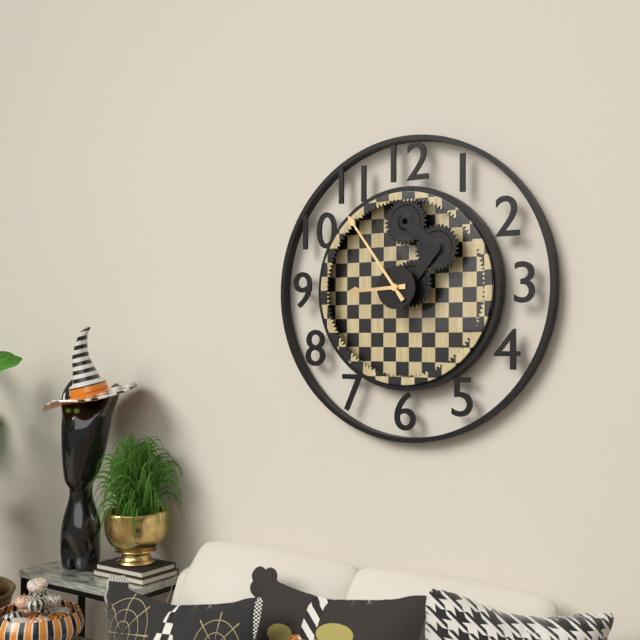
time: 8:54
